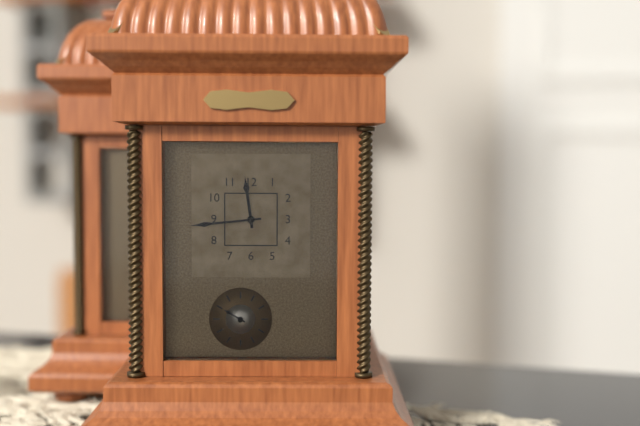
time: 11:44
